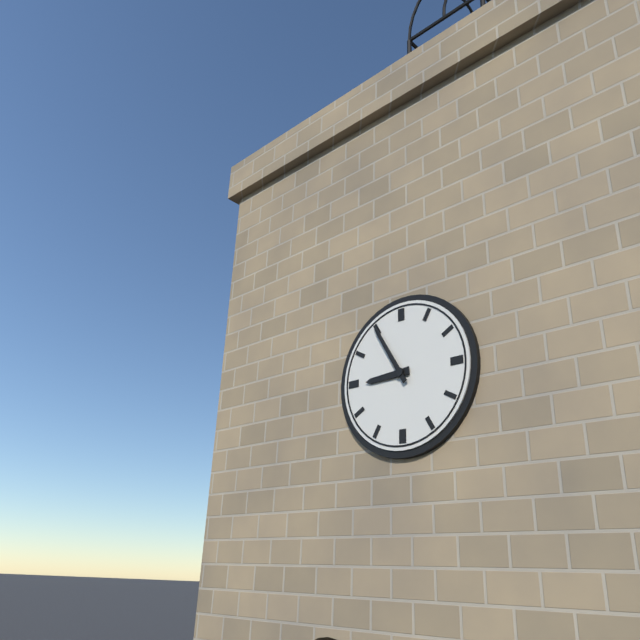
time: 8:55
